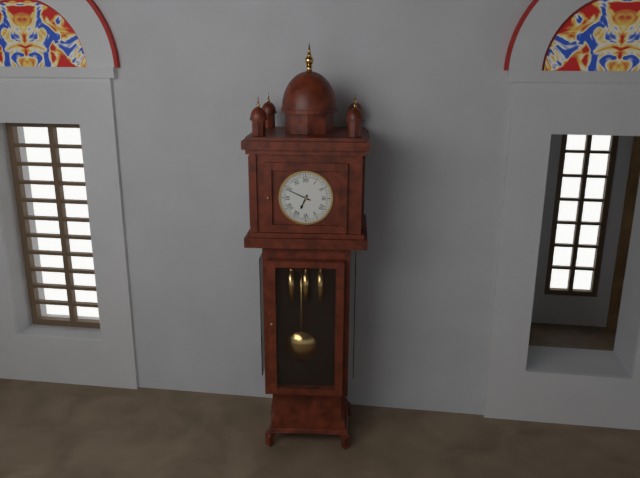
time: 6:49
